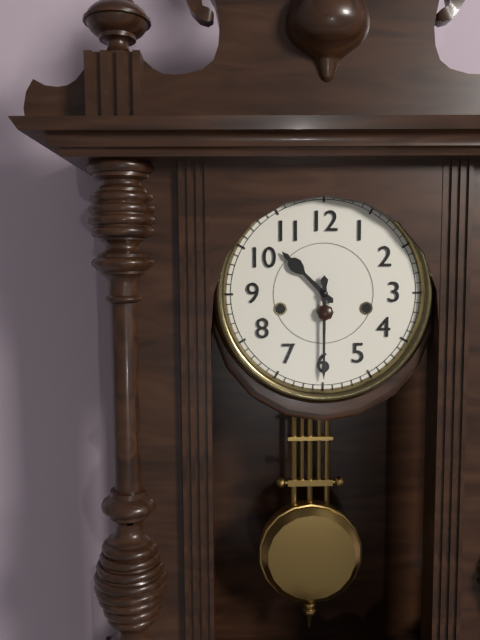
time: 10:30
